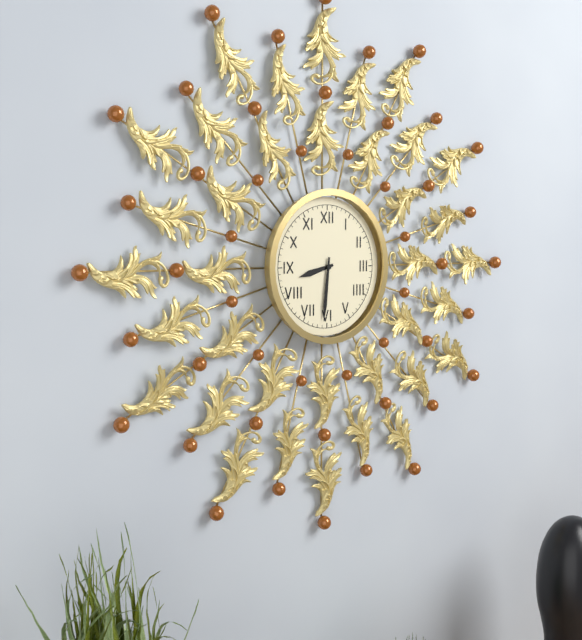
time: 8:31
